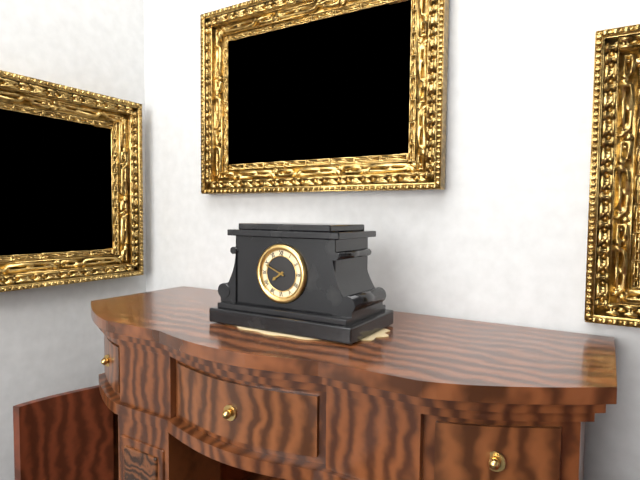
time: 7:49
